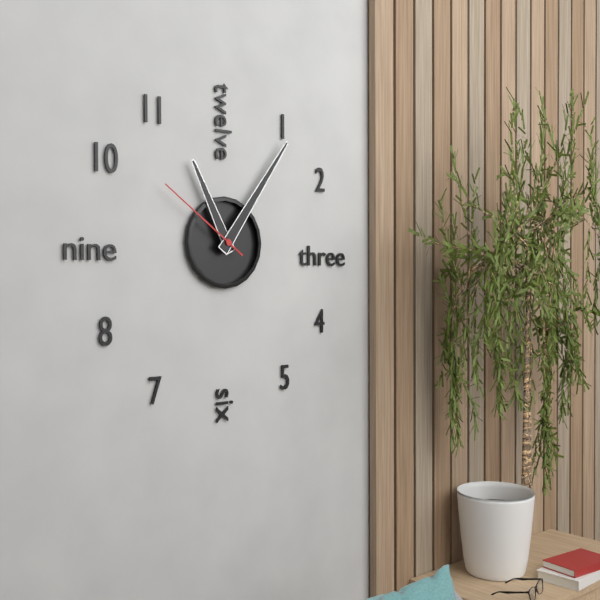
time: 11:06:51
